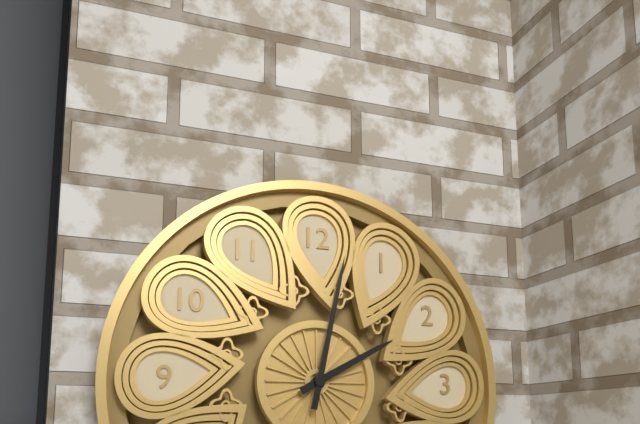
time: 2:02
